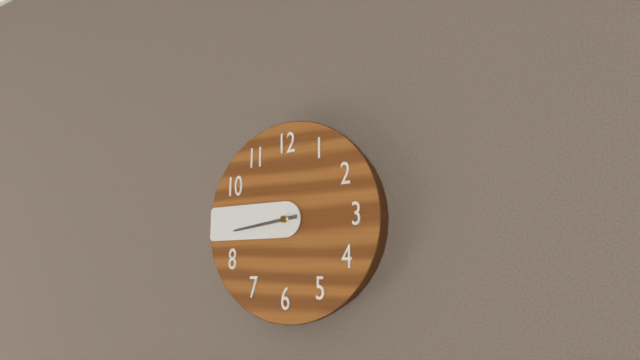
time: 8:45
